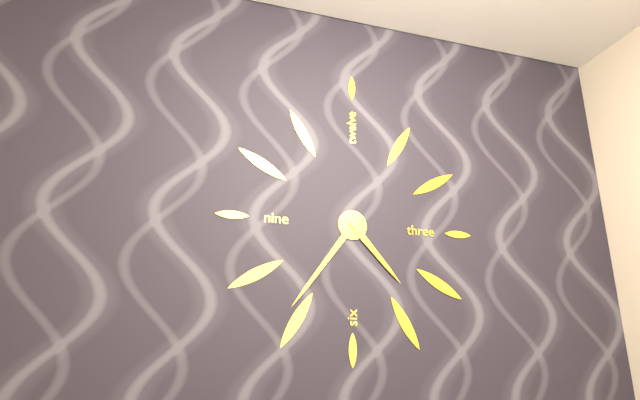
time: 4:36
